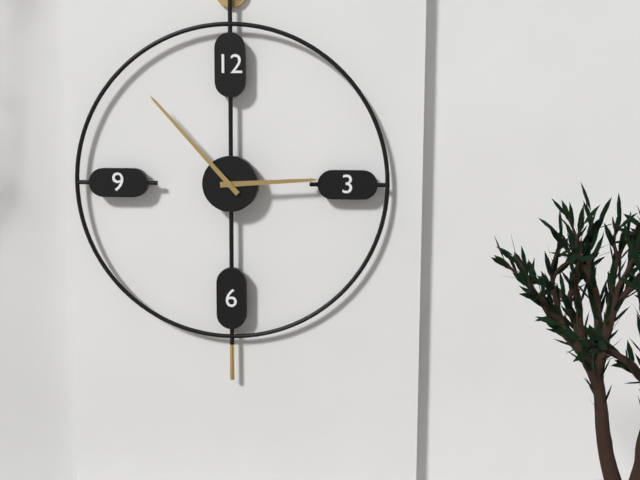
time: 2:53
